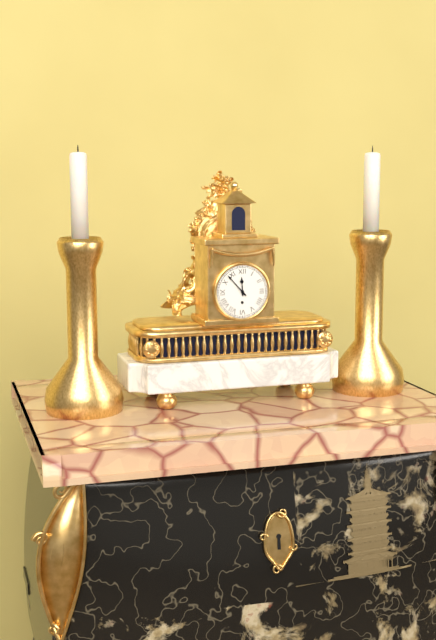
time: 11:53
